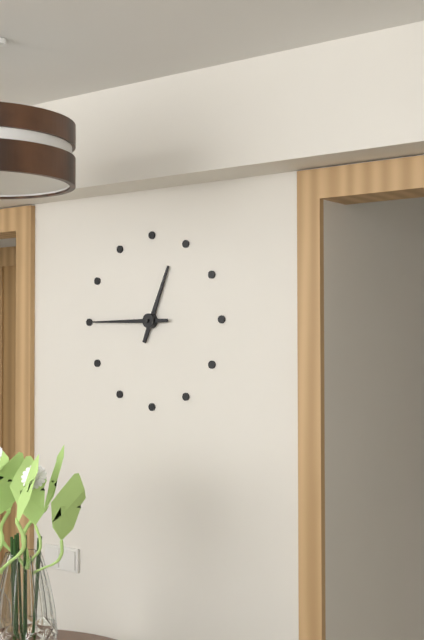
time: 12:45
